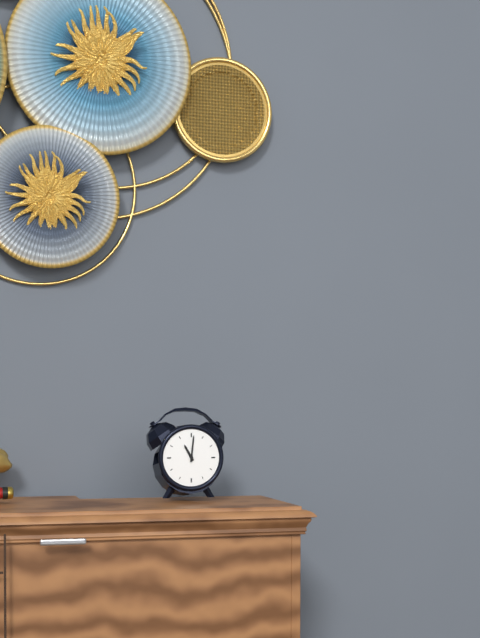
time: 11:01
